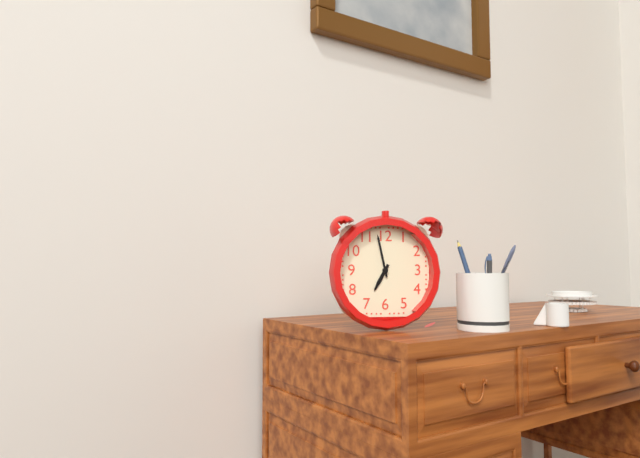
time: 6:58
